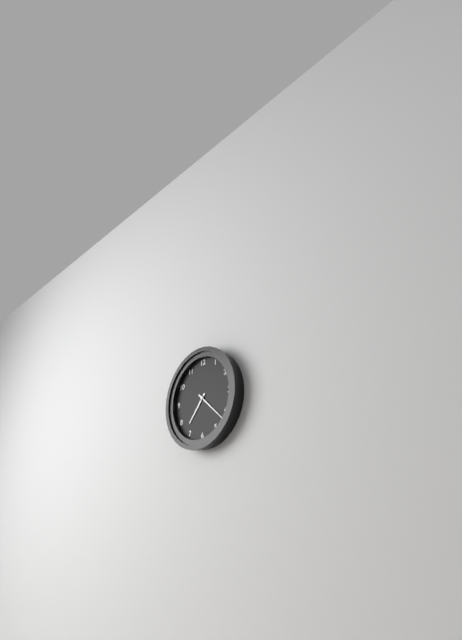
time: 7:22
